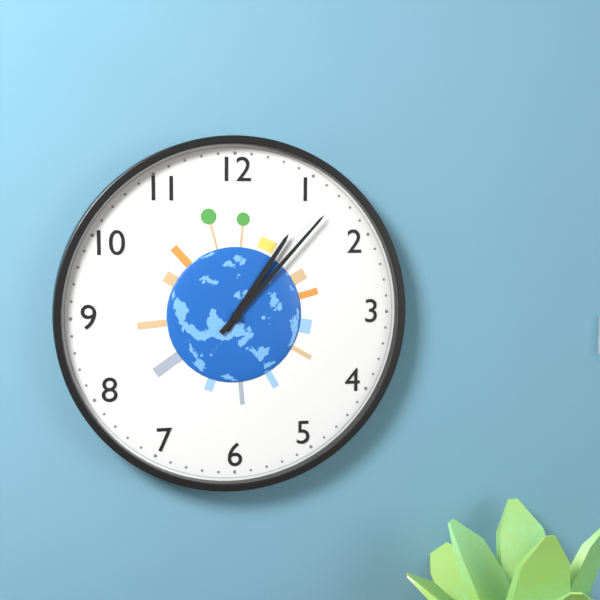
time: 1:07
